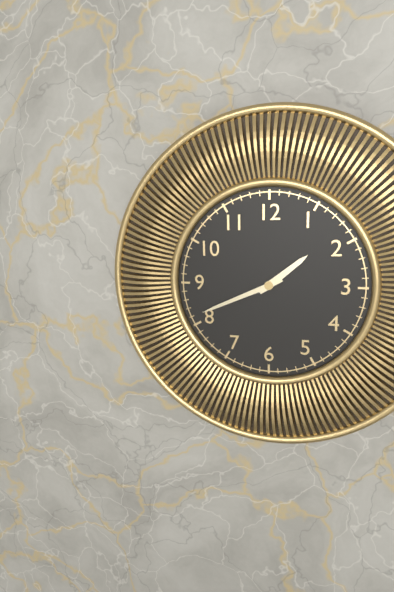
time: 1:41
